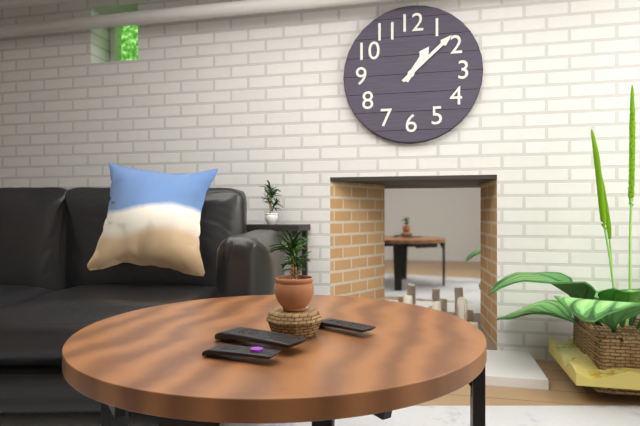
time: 1:08
